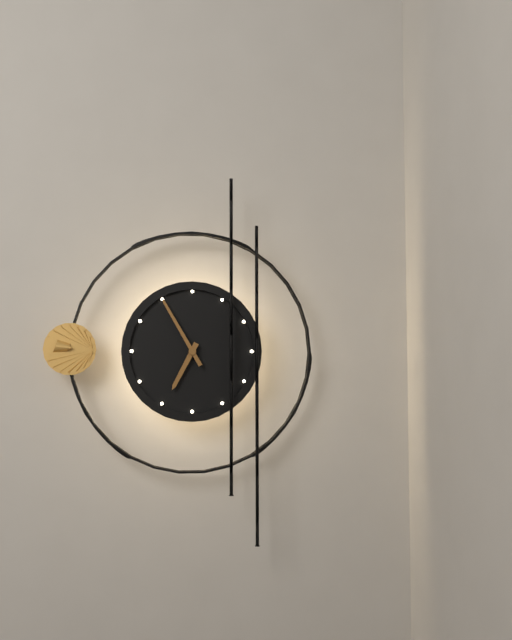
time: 6:55
